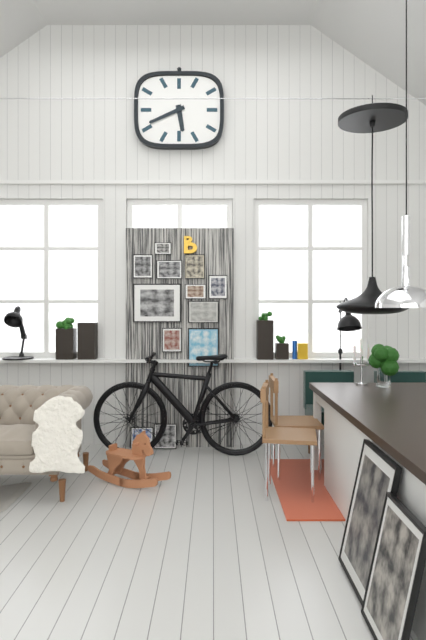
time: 5:41
